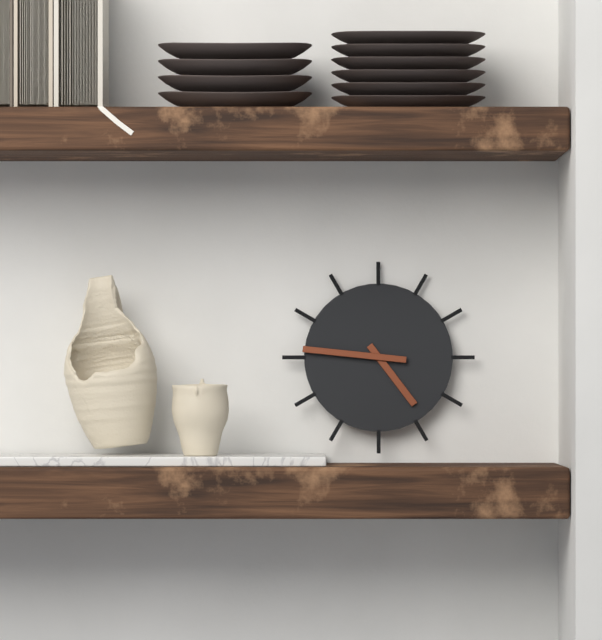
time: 4:46
